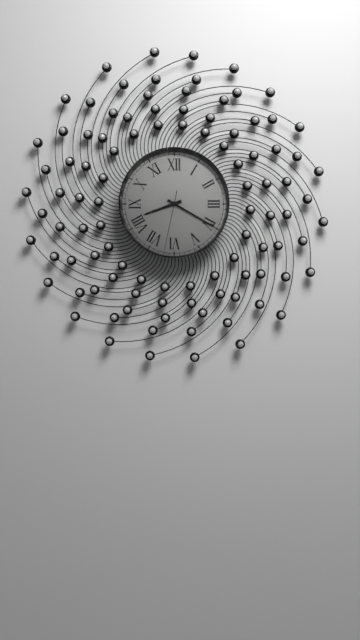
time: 8:20:32
